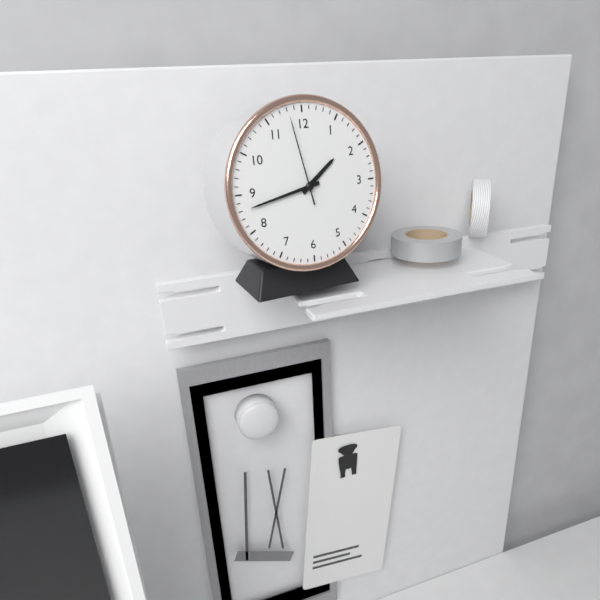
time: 1:43:58
